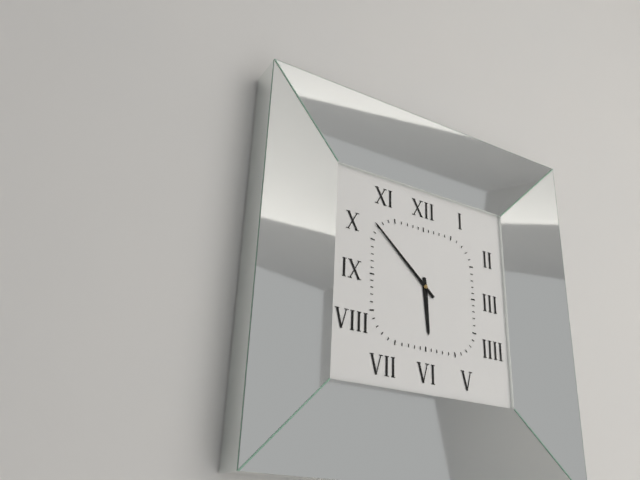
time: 5:52
